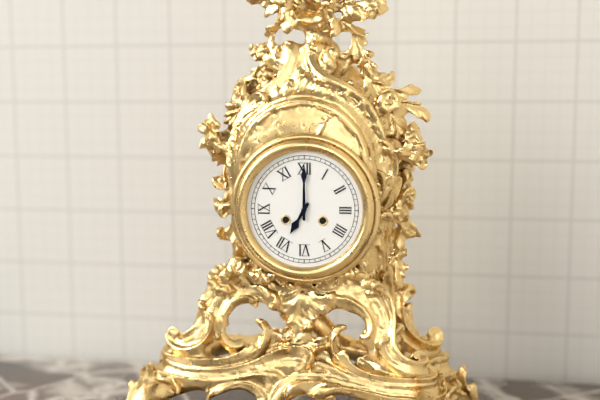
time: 7:00
